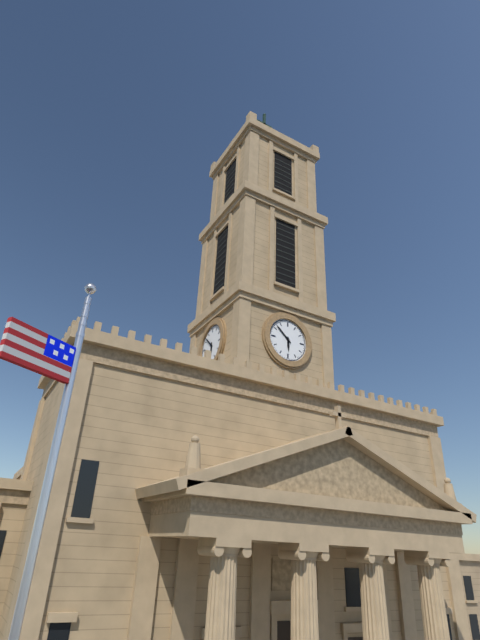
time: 5:52
